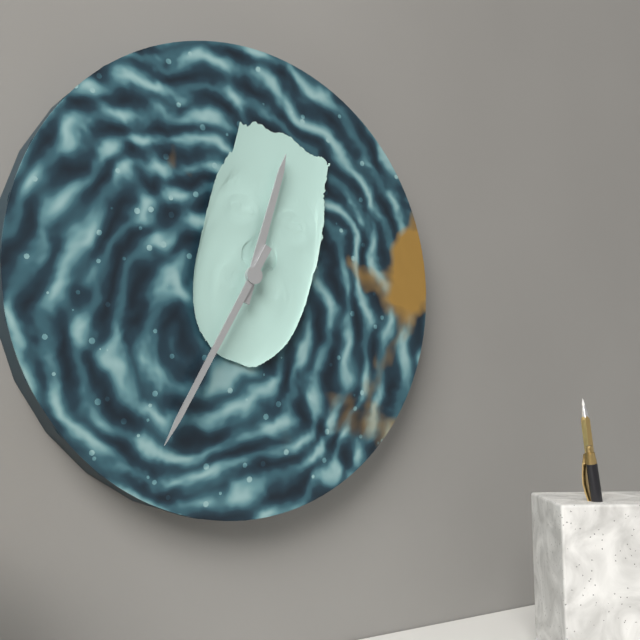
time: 12:35
